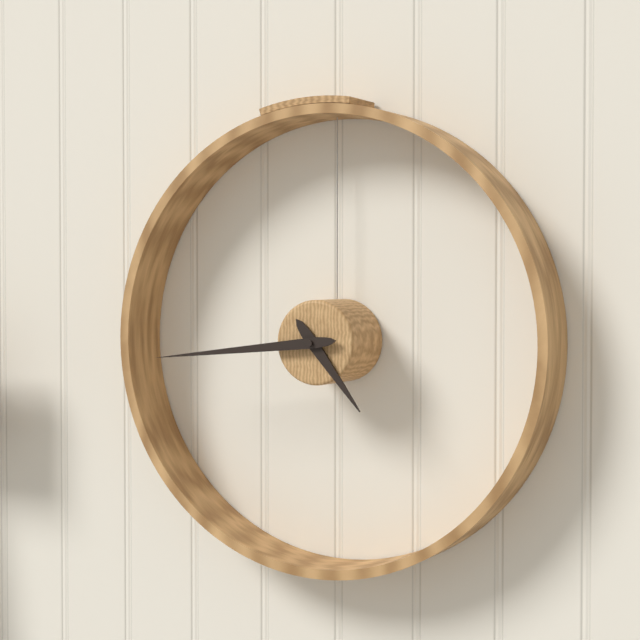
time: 4:44
